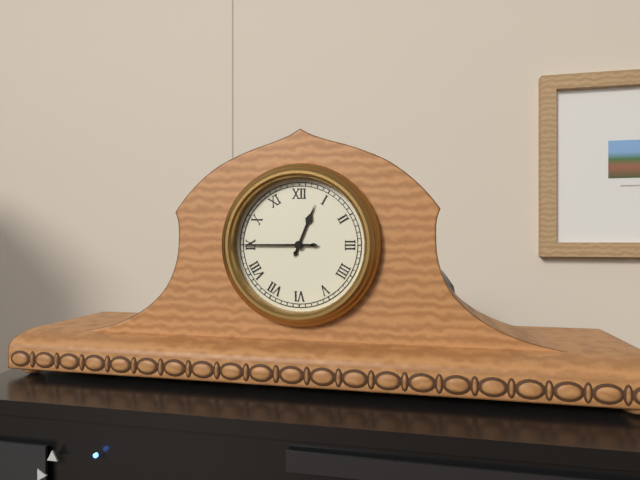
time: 12:45
